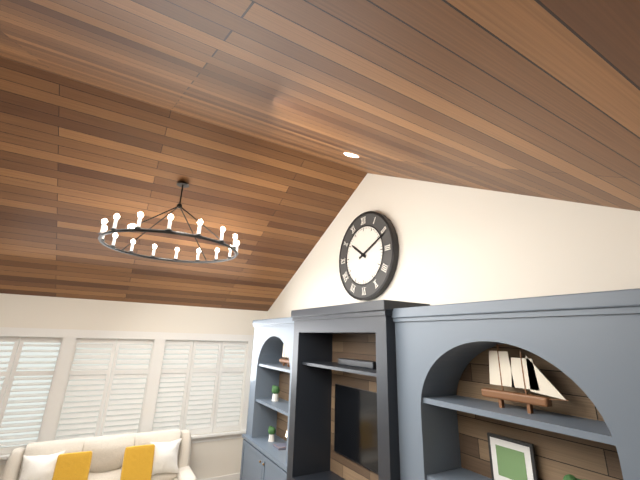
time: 10:11
